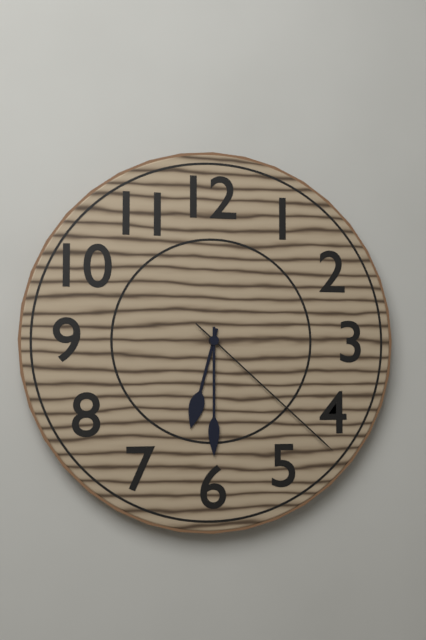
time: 6:30:22
